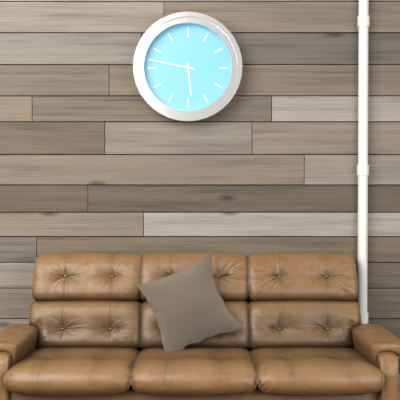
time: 5:47
